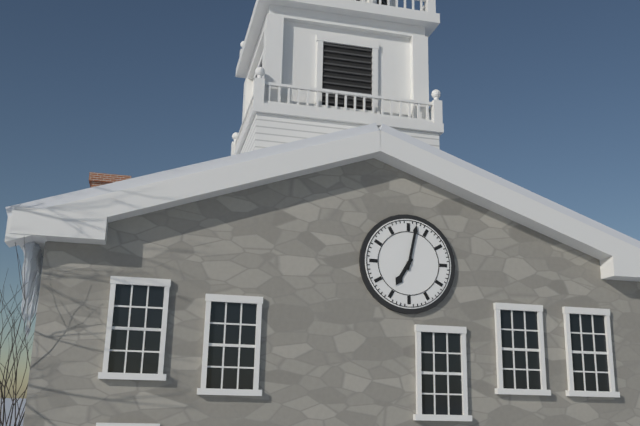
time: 7:02
